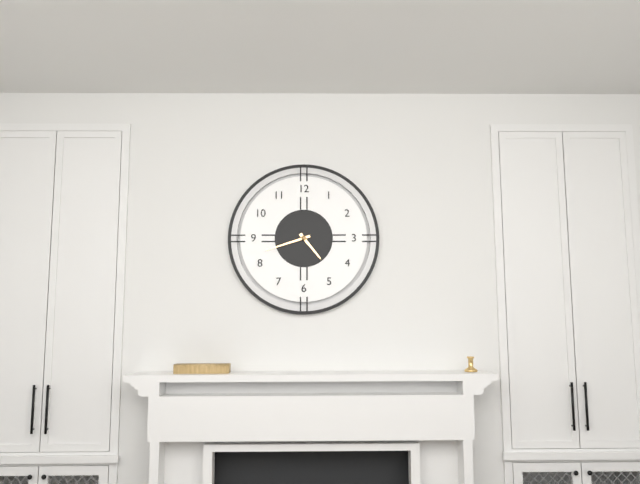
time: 4:42
